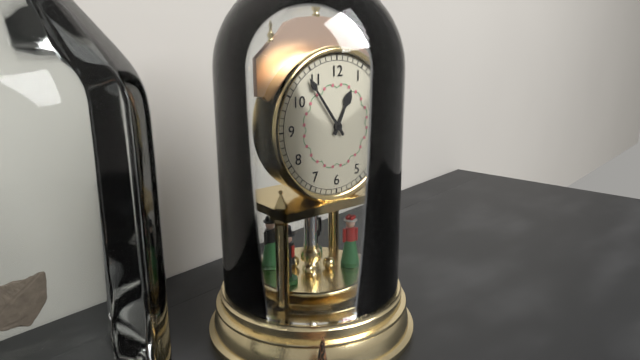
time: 12:54
